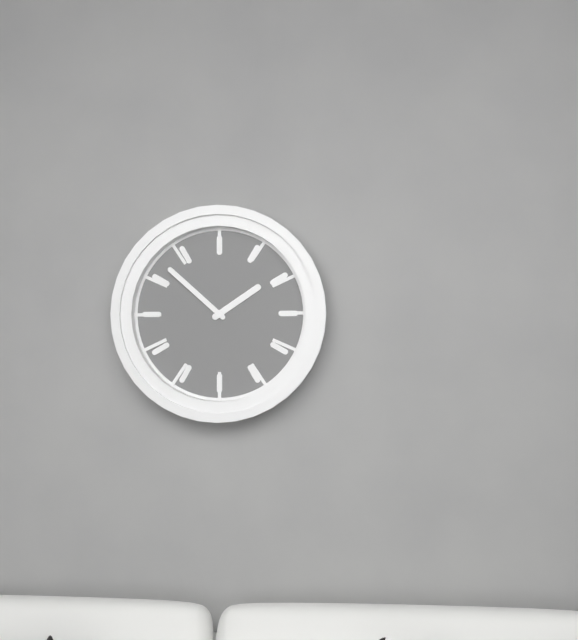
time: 1:52
